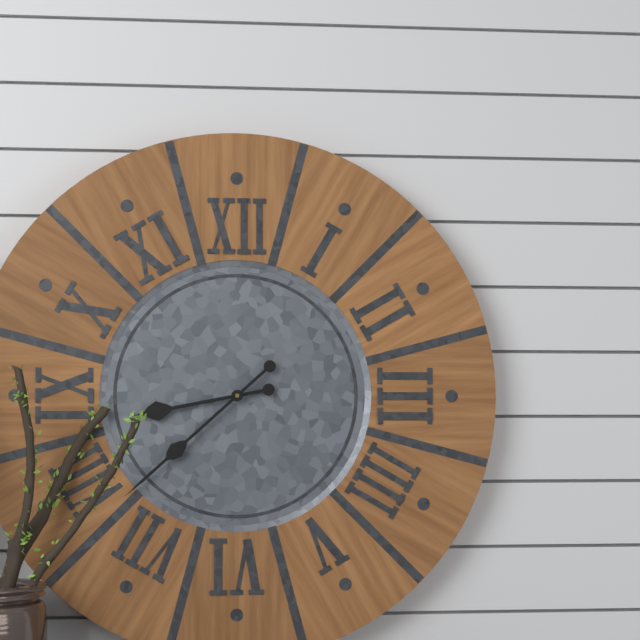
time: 8:38
